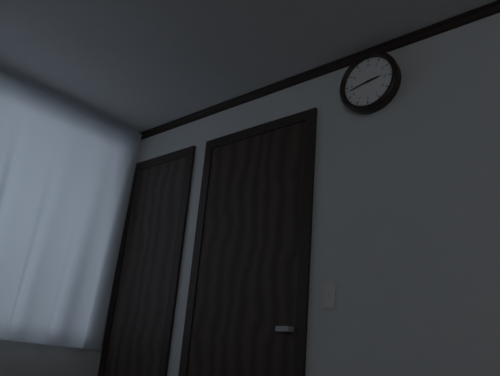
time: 2:43
